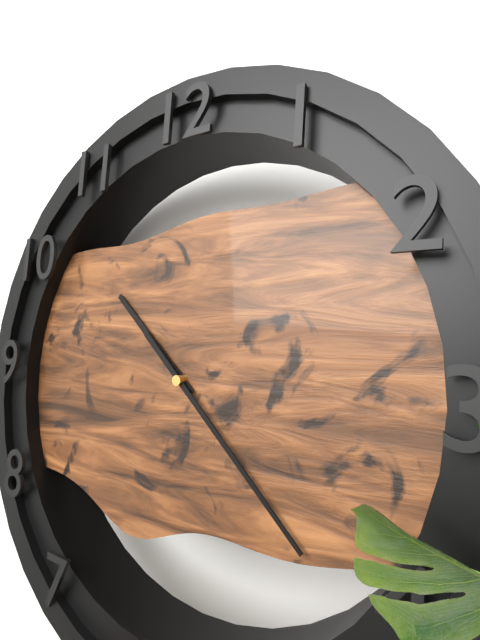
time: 10:22
